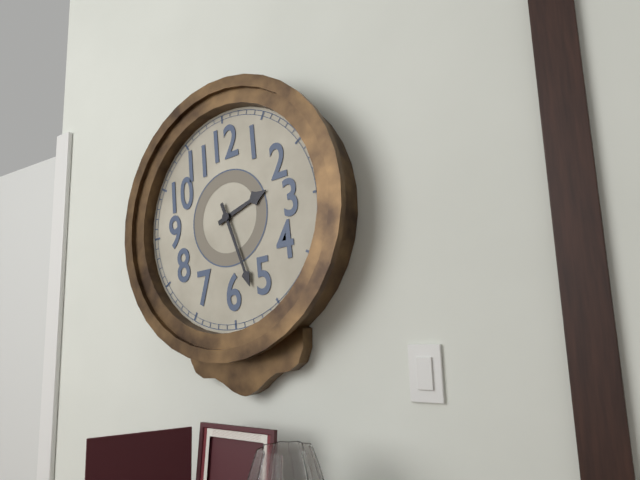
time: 2:27
